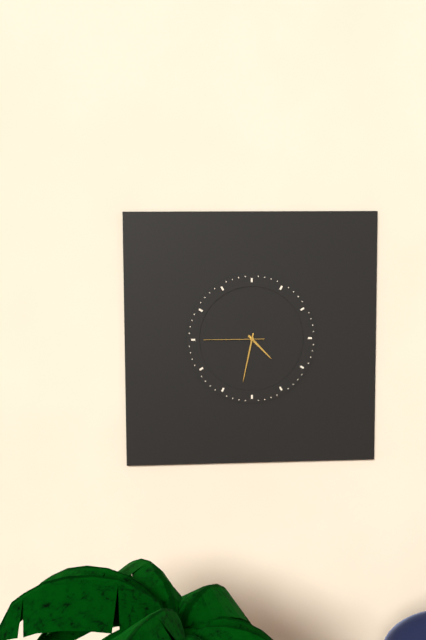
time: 4:32:45
